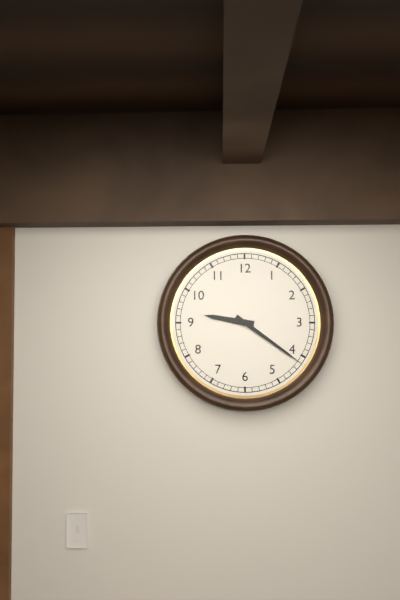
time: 9:21
